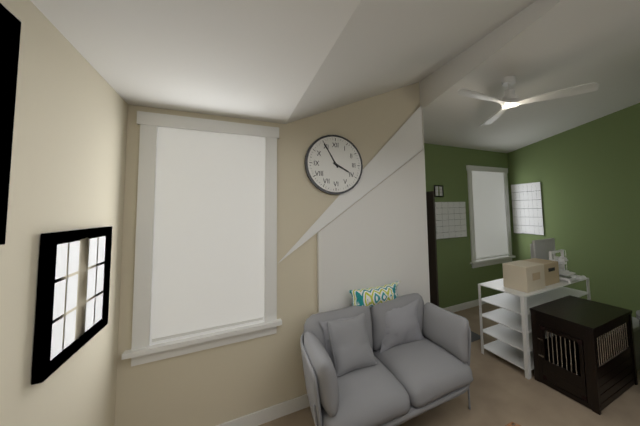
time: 3:55
